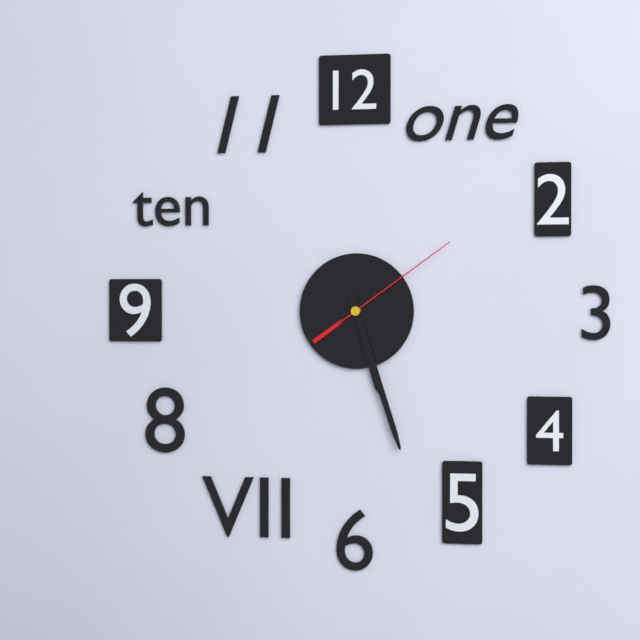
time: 5:27:09
